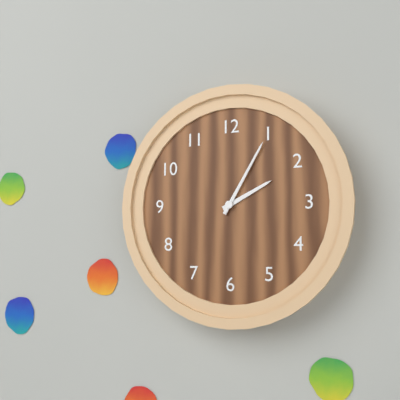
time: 2:05
